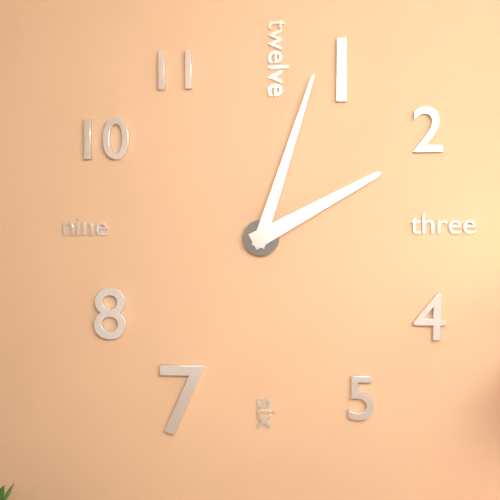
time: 2:03
